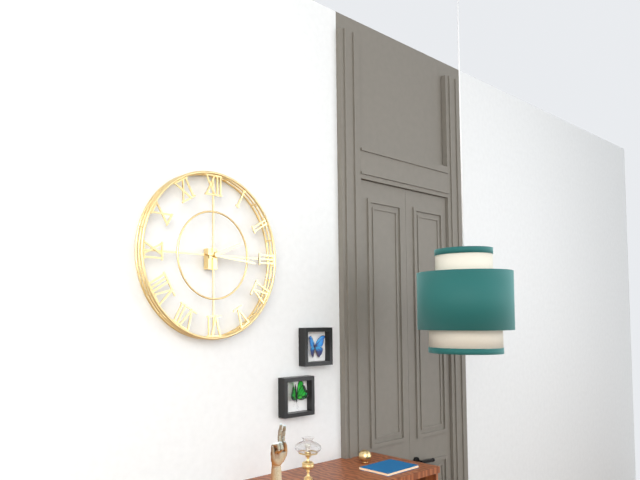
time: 2:16
